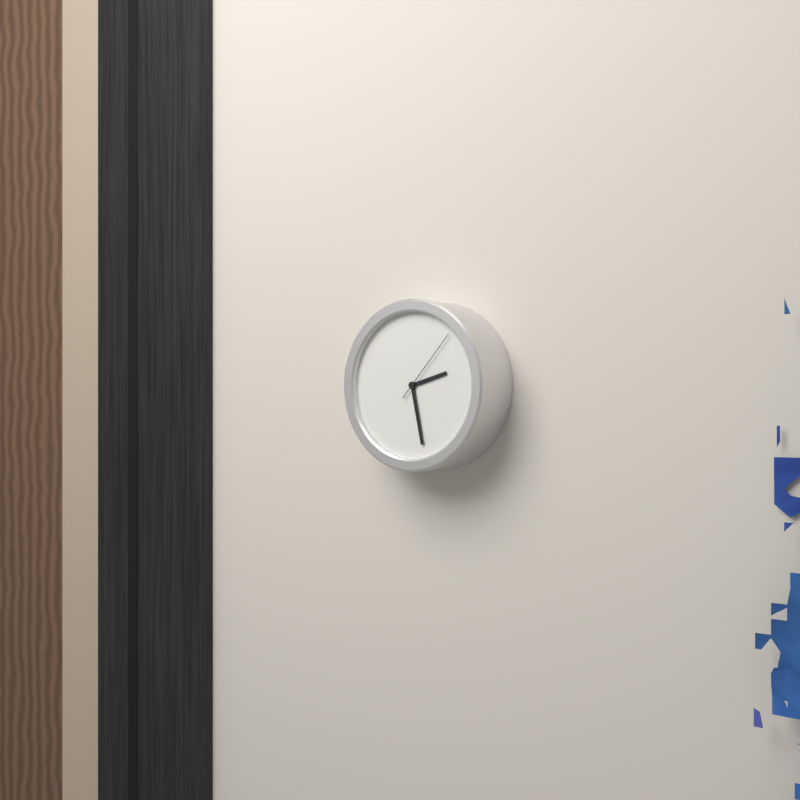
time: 2:28:07
